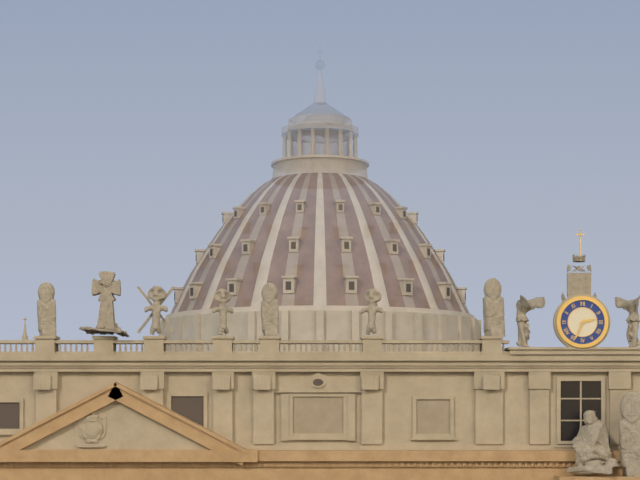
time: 2:34
